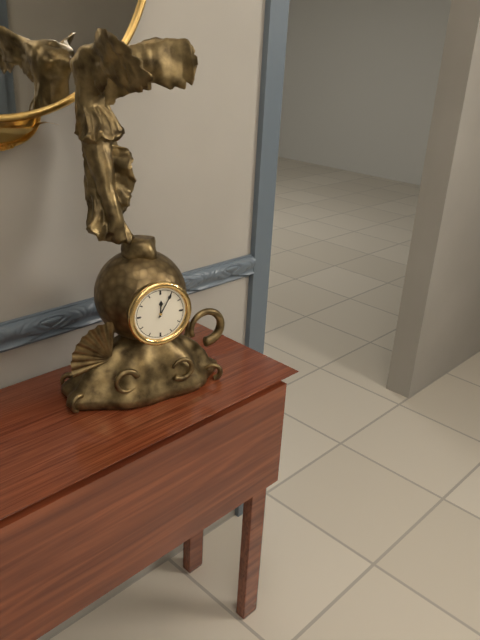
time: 12:05
